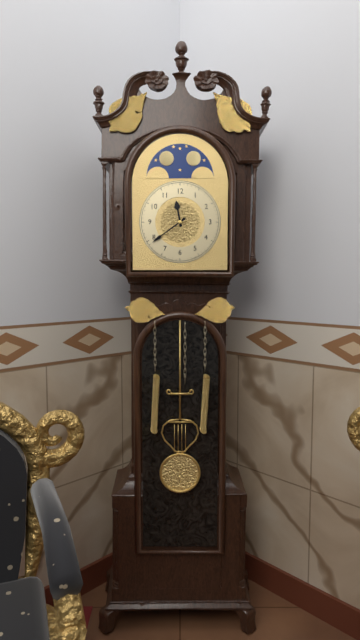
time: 11:39
